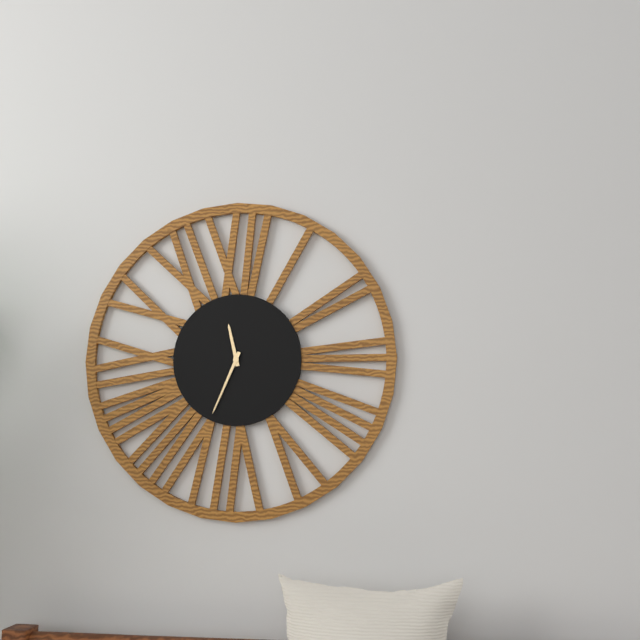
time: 11:34
